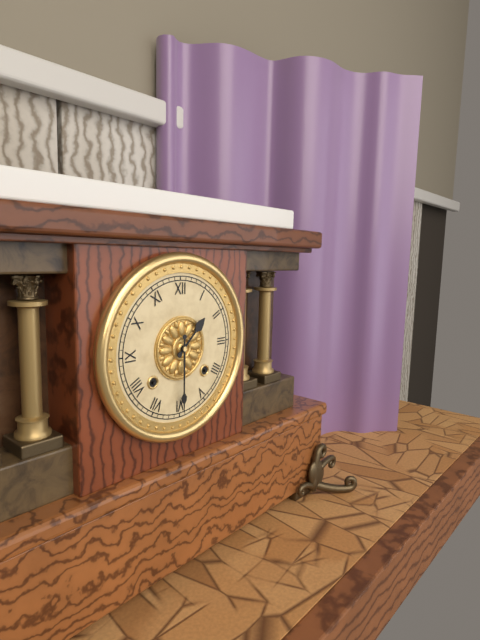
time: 1:30
